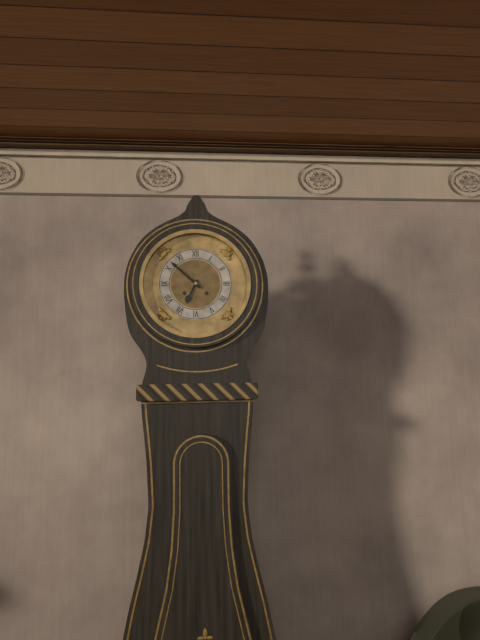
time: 6:52
